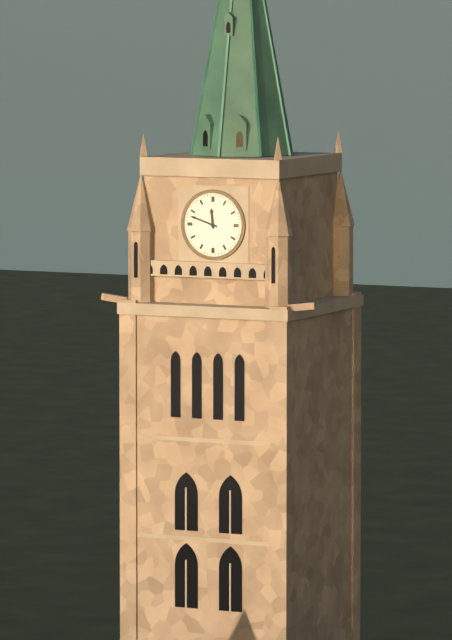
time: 11:48
